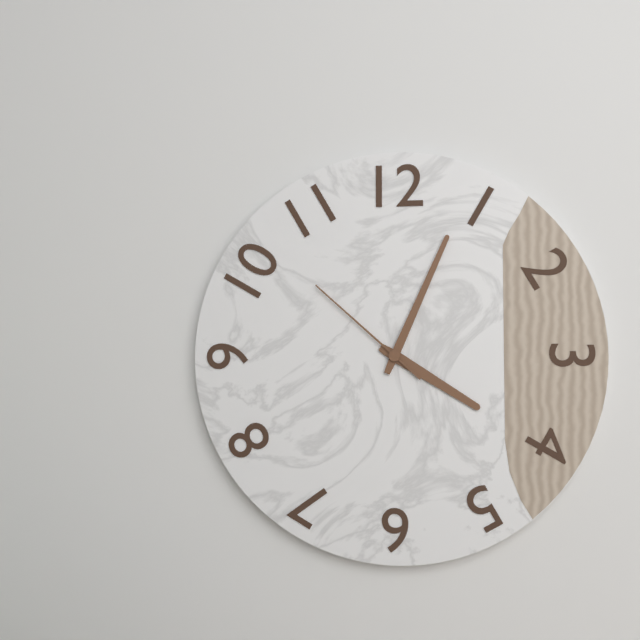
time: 4:04:52
